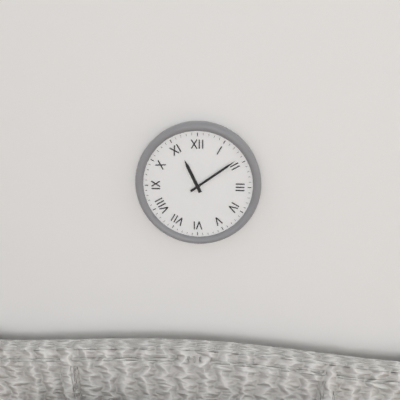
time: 11:09
